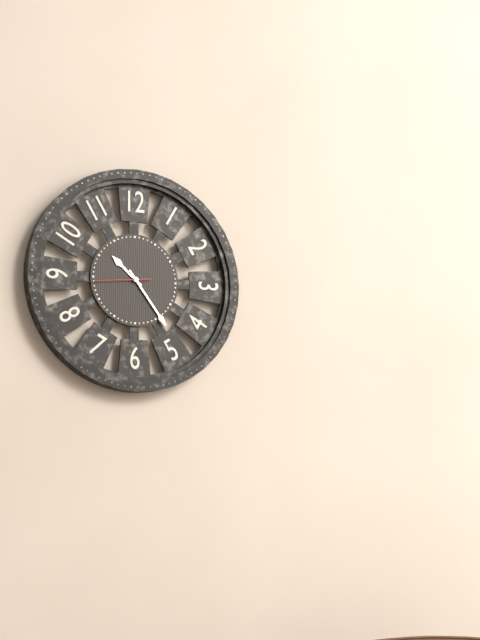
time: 10:24
